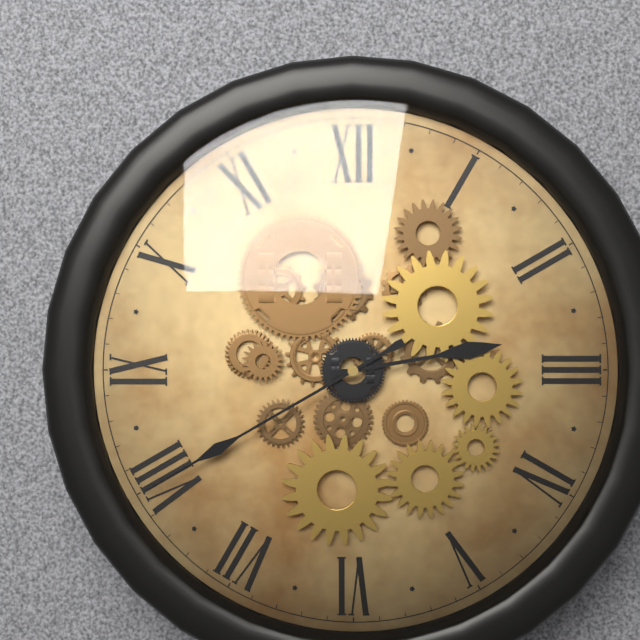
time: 2:40
